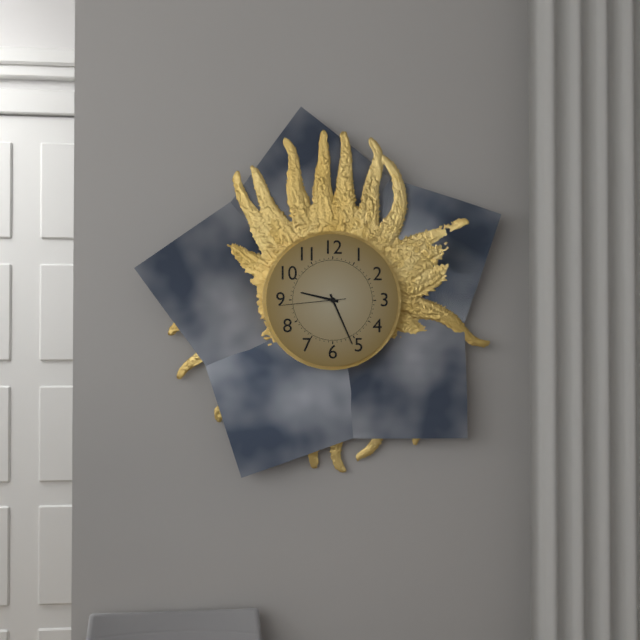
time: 9:26:44
